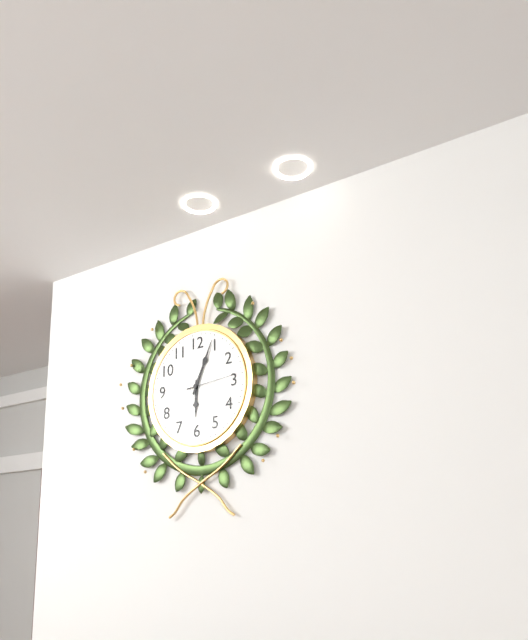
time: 6:04:14
